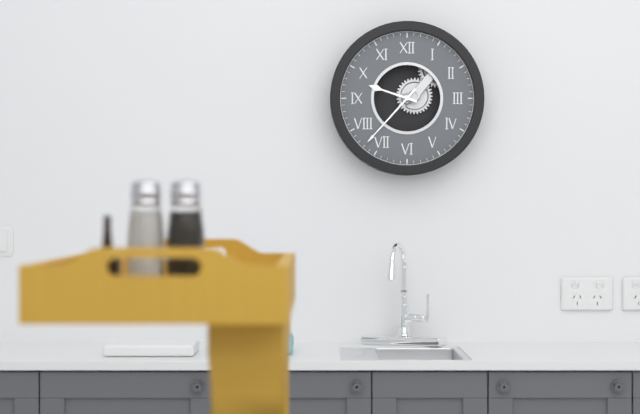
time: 9:37
